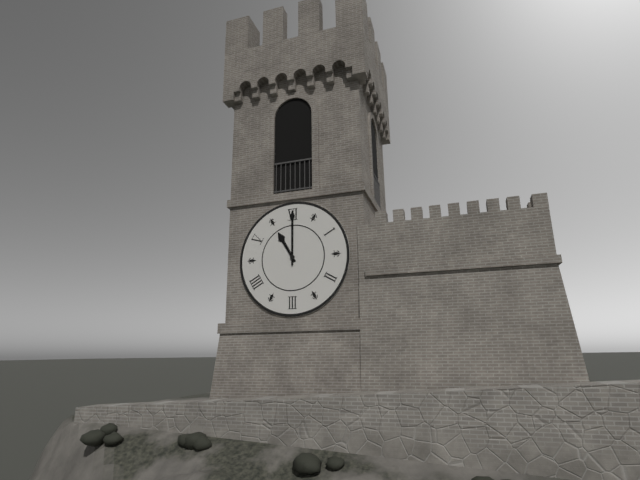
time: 11:00
